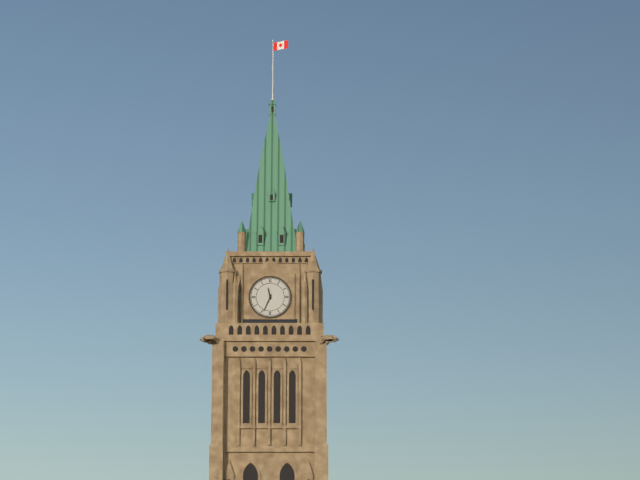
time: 11:34
